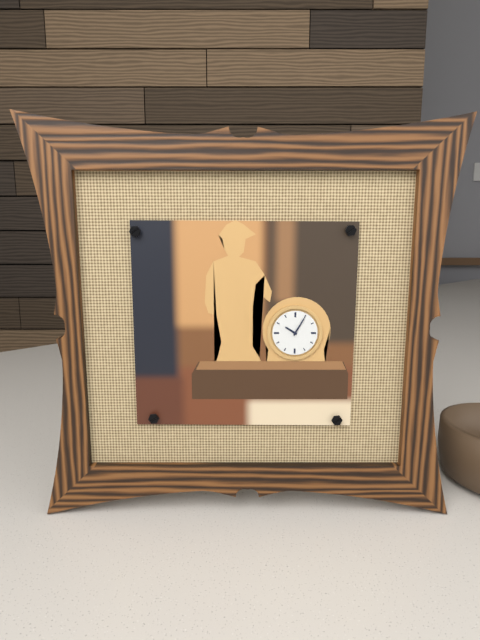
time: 10:05
